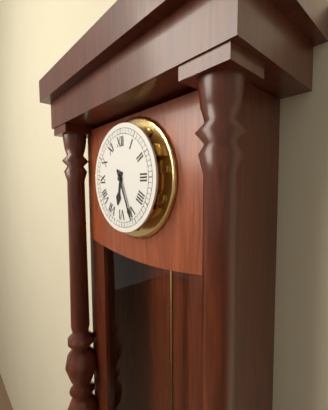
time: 6:26
